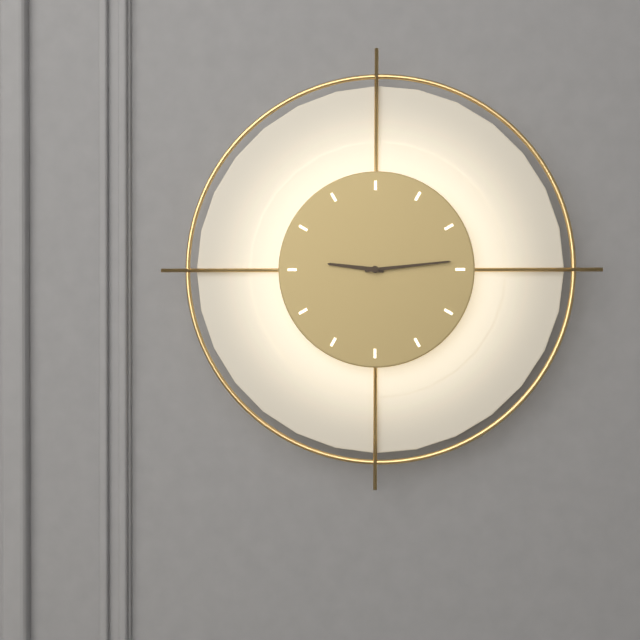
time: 9:14
